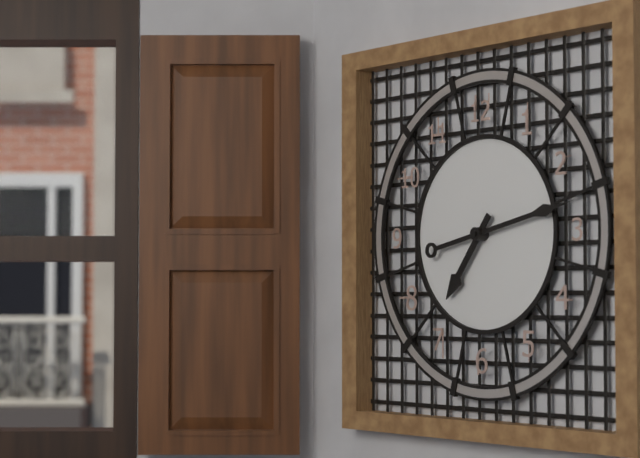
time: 7:13
